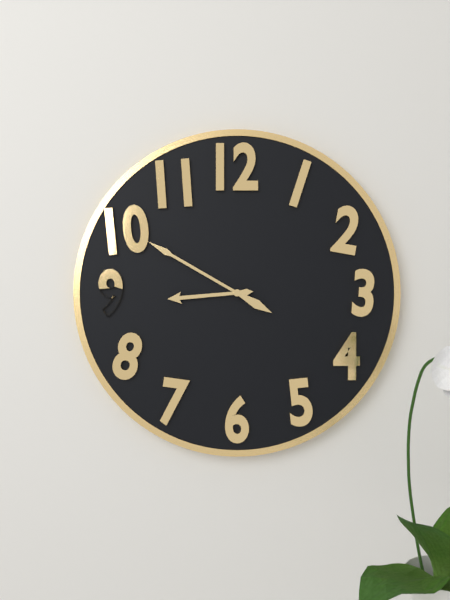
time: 8:50
